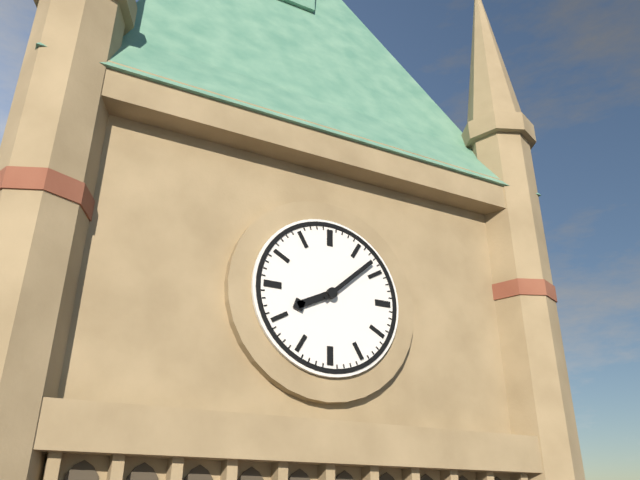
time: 8:08
